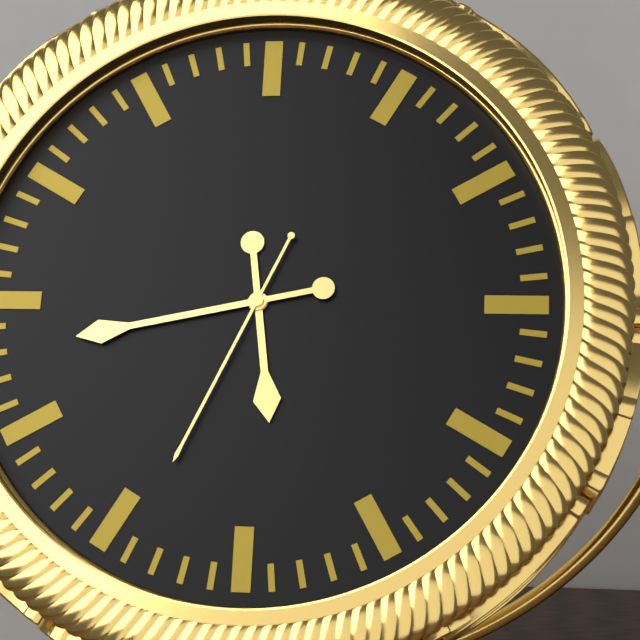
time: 5:43:34
